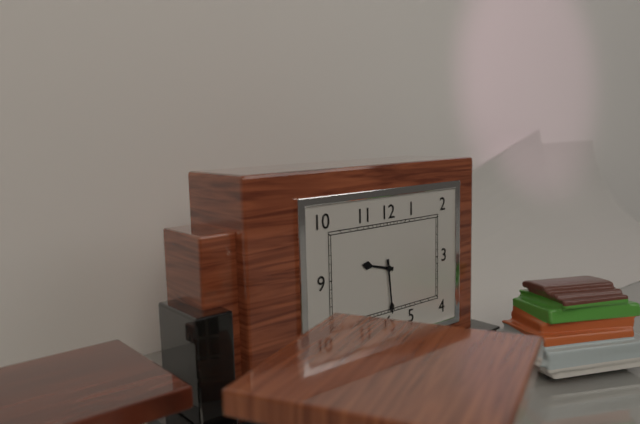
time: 9:29
